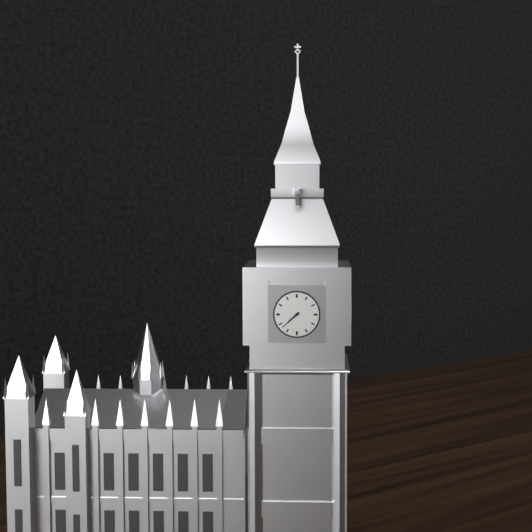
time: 7:38
